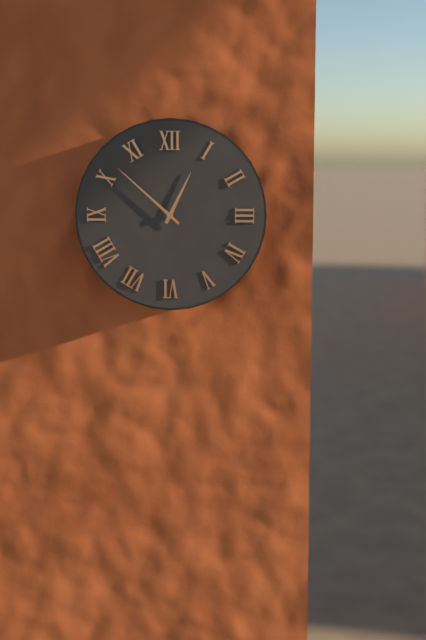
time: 12:52
